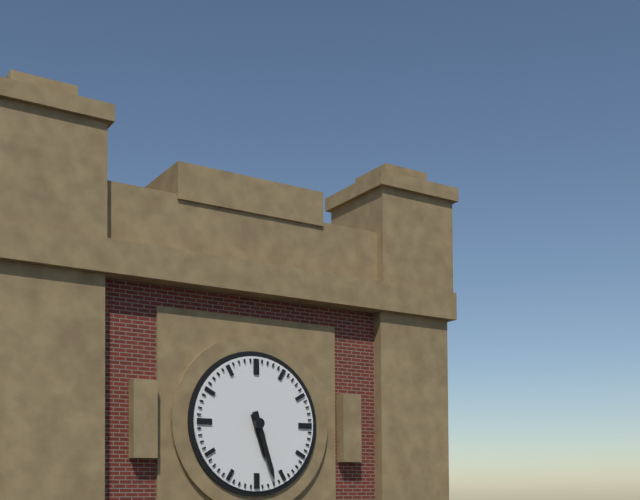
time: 5:27
